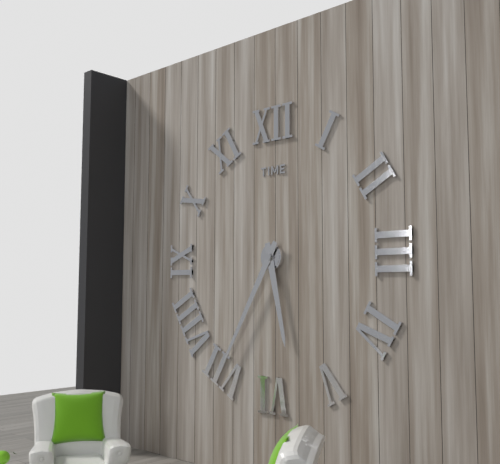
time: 5:35
